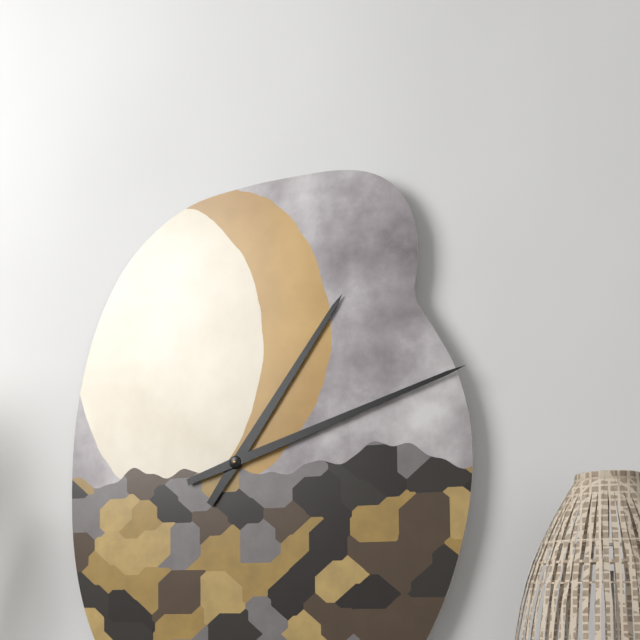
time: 1:12
